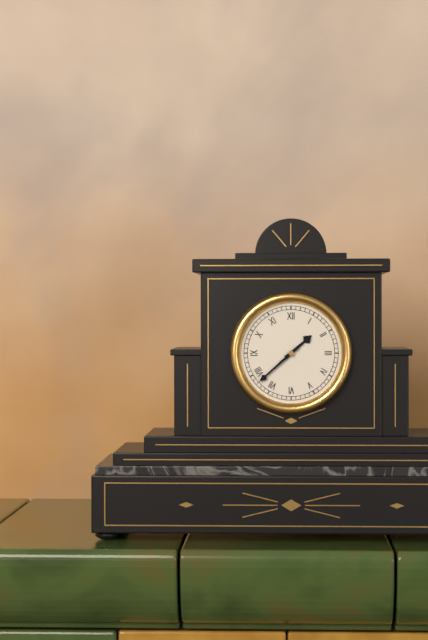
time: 1:38
